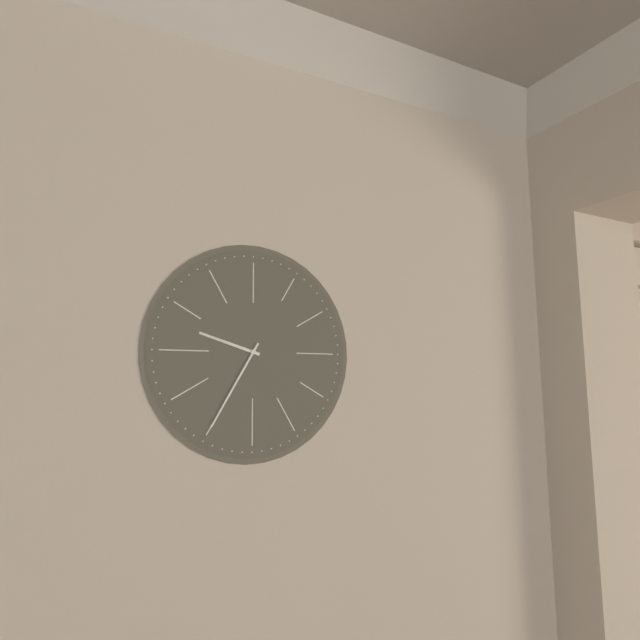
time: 9:35
